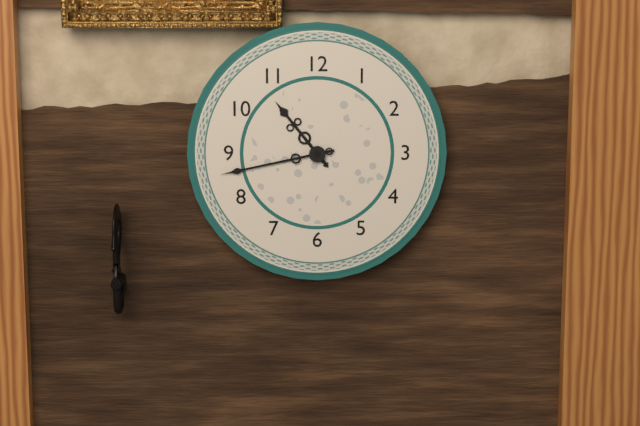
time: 10:43
